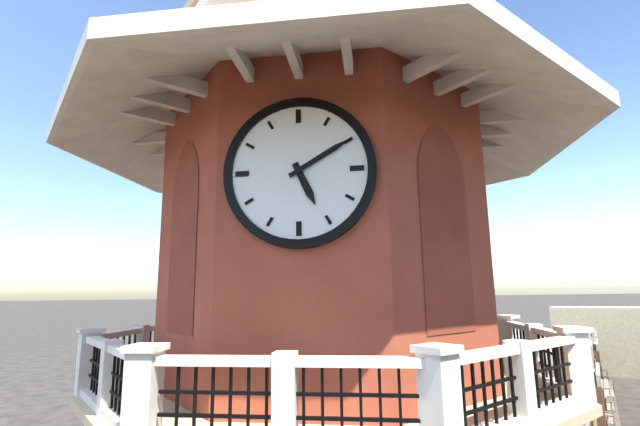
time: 5:10
